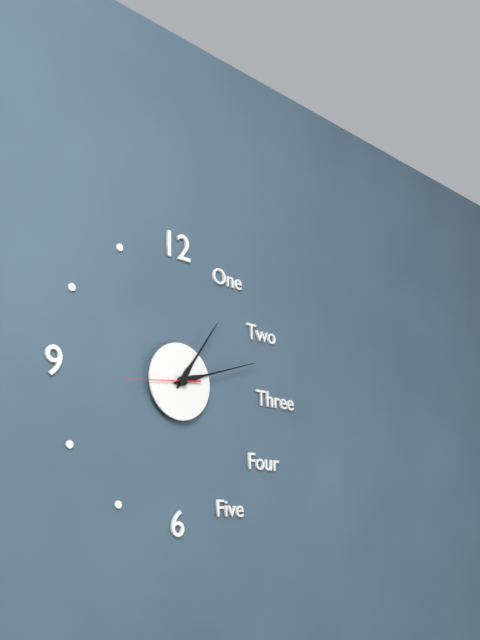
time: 1:12:44
